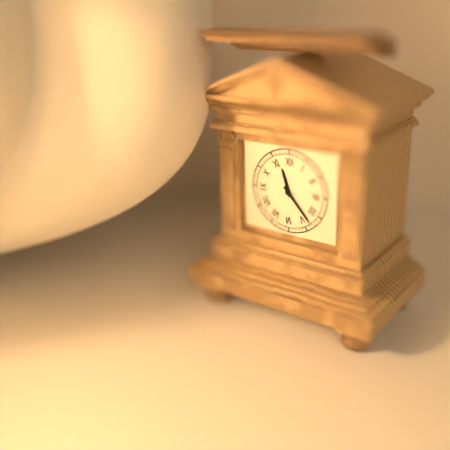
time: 11:23
